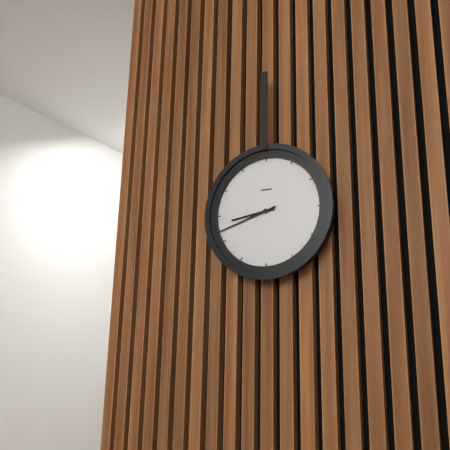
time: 8:42
